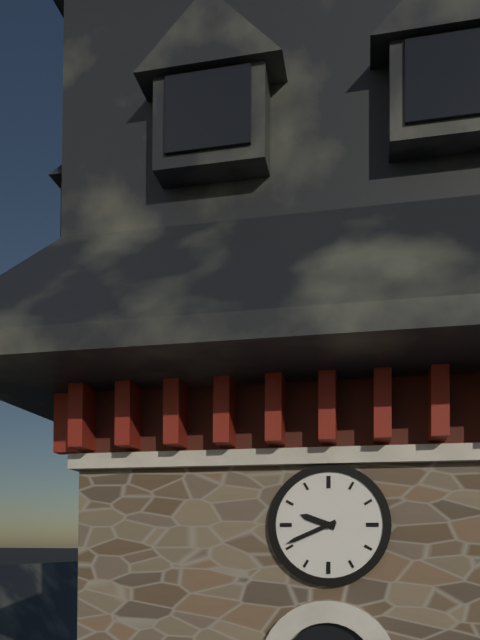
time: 9:41
